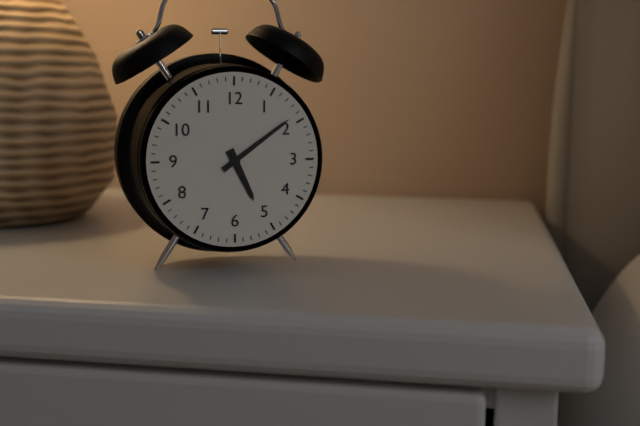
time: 5:09
